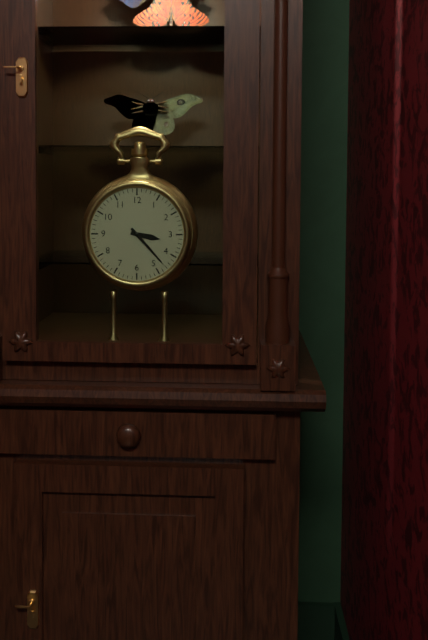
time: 3:23
